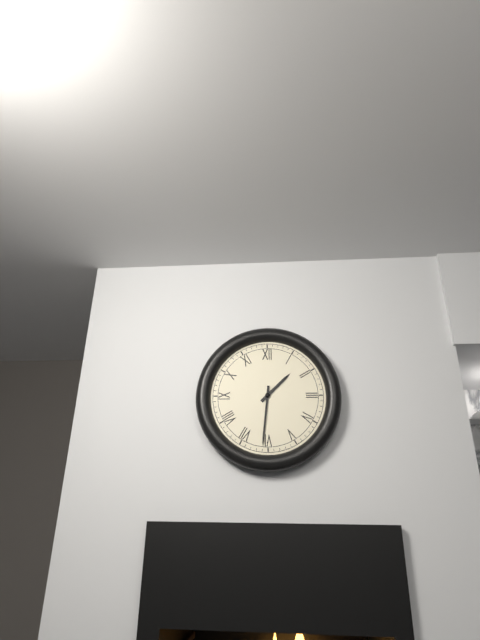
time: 1:31
